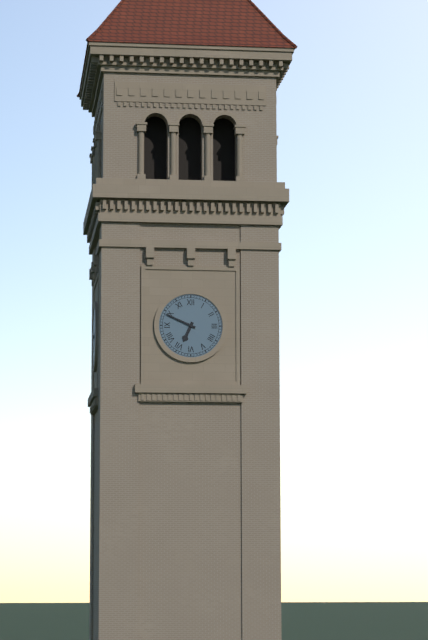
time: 6:49
